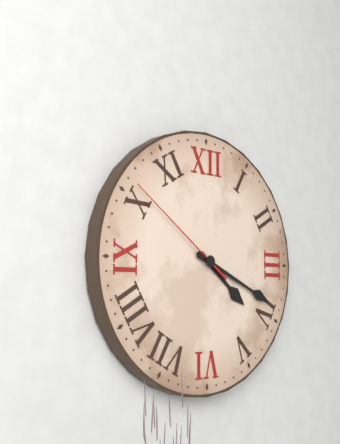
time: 4:19:51
